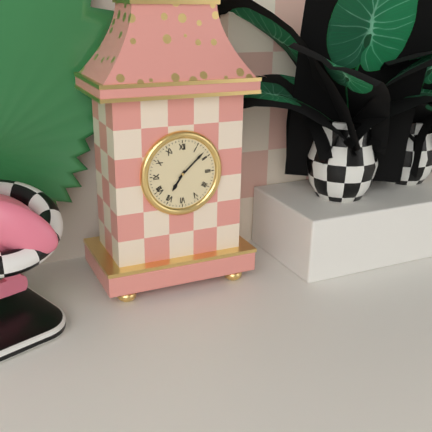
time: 7:08
